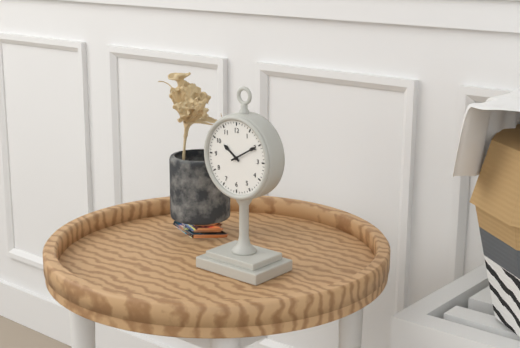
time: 10:10
